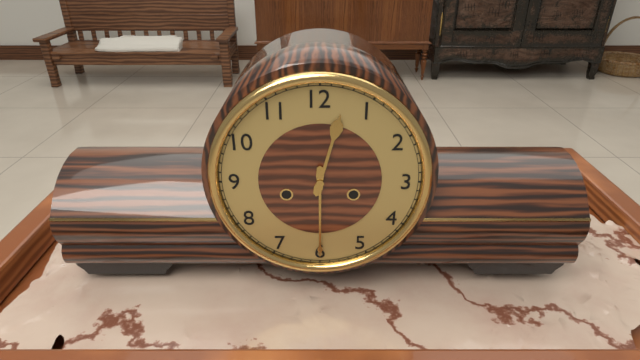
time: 12:30
